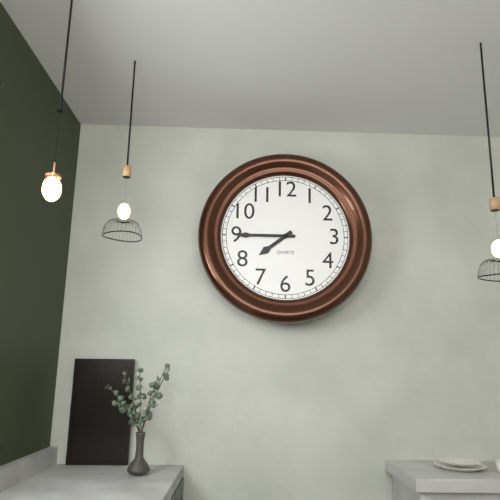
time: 7:45
